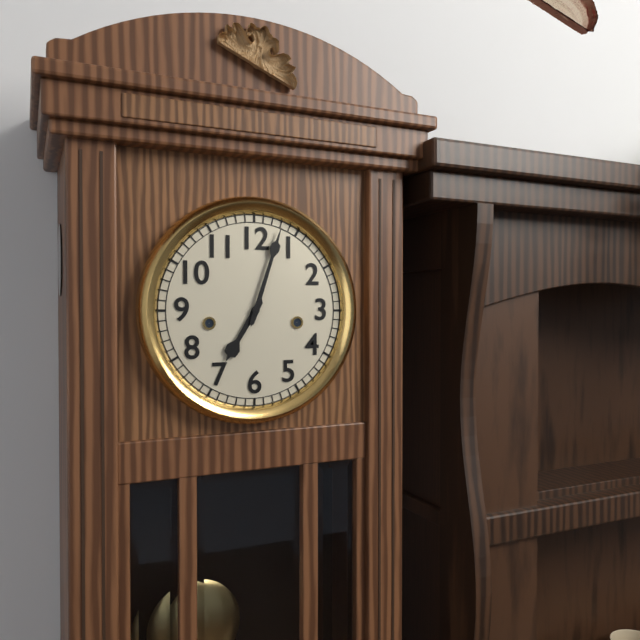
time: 7:03
